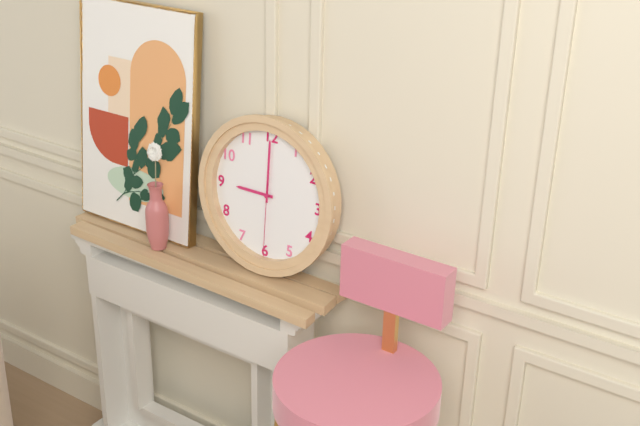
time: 9:00:30
